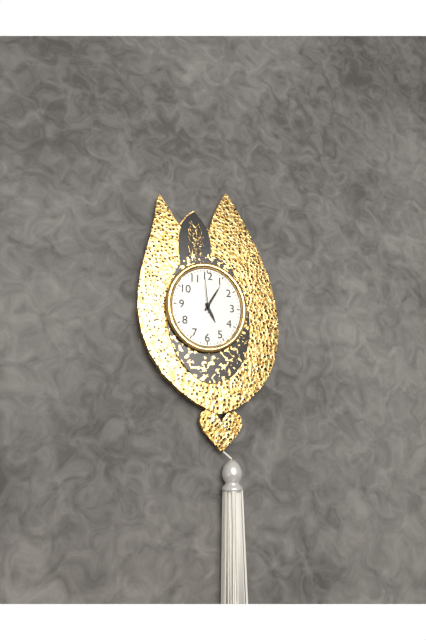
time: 5:05
